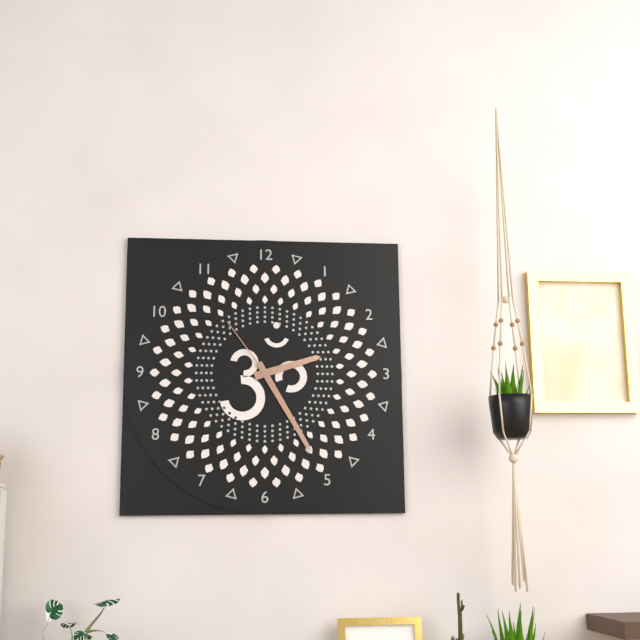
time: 2:25:54
